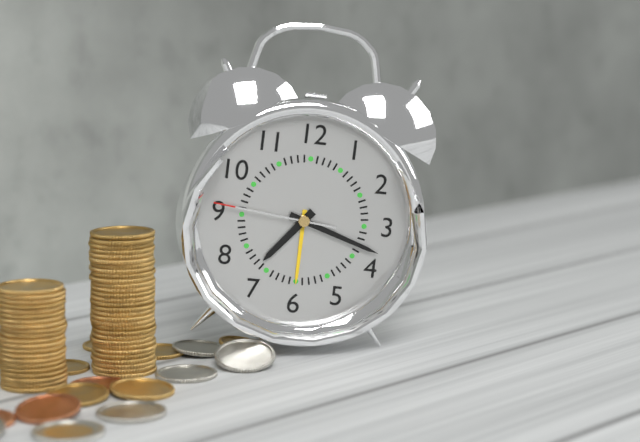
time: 7:18:46
